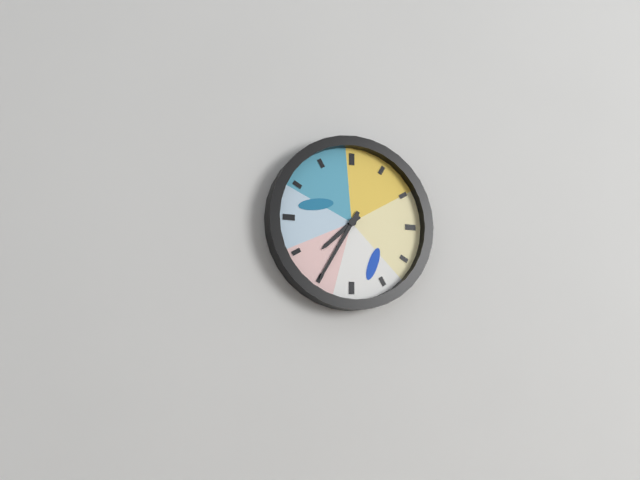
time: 7:35
